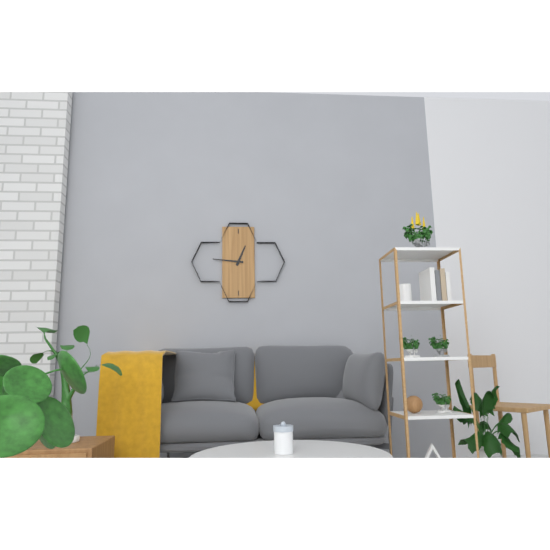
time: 12:46
